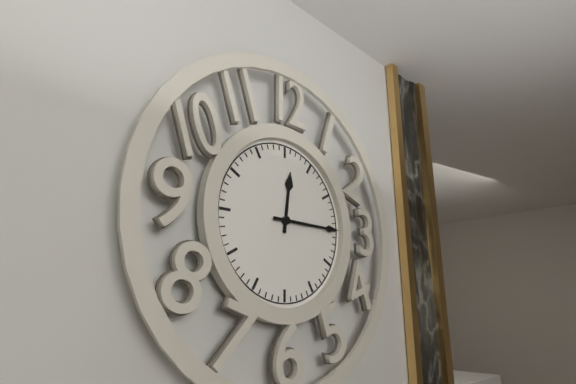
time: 12:15
